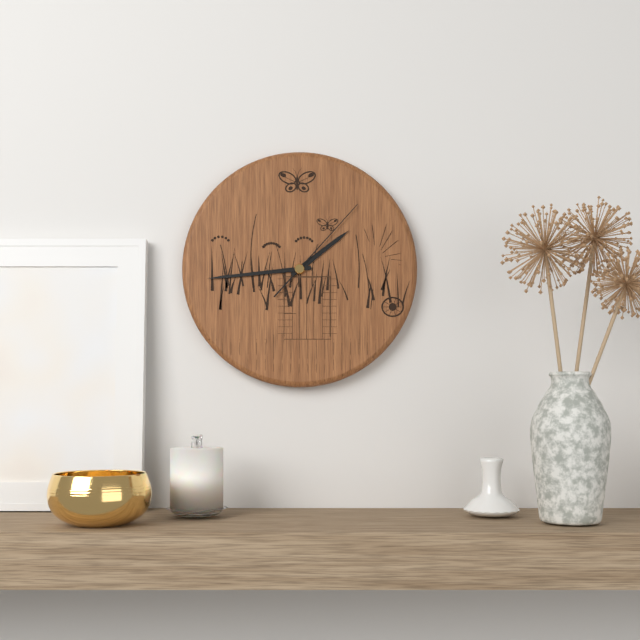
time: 1:44:07
